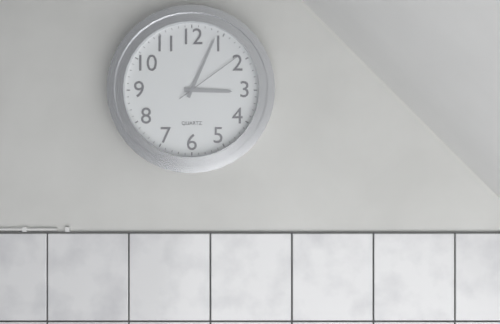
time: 3:04:09
